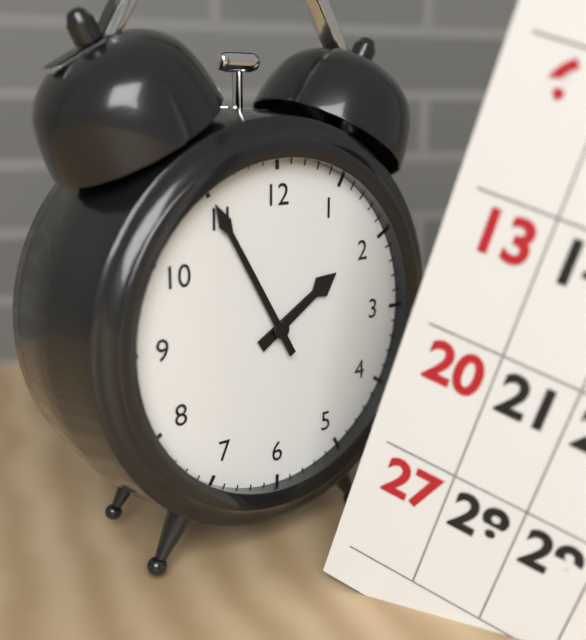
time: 1:55
